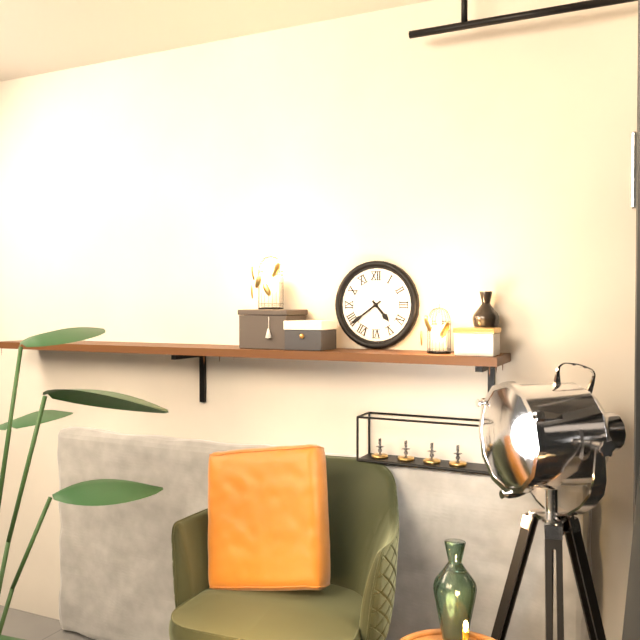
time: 4:39
